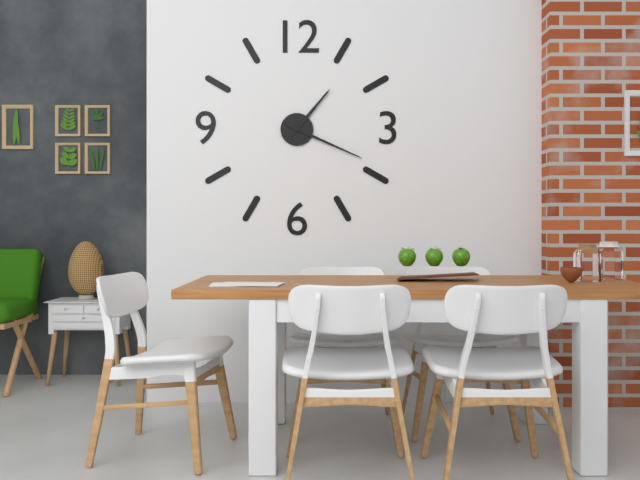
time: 1:19
